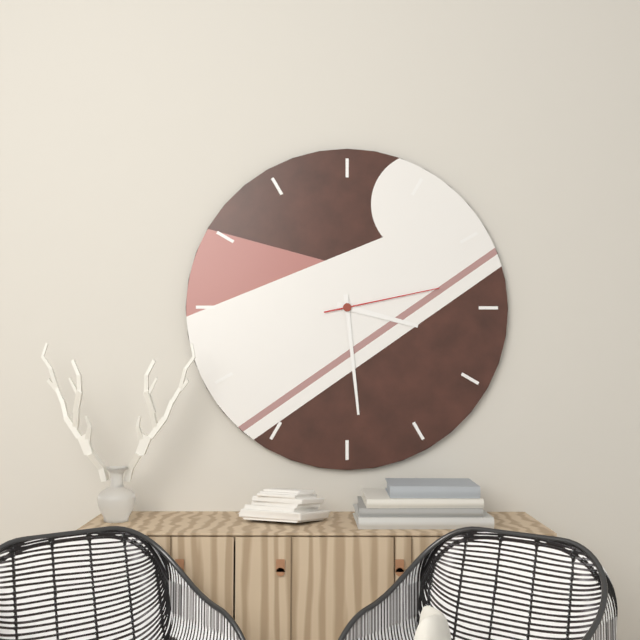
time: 3:29:13
